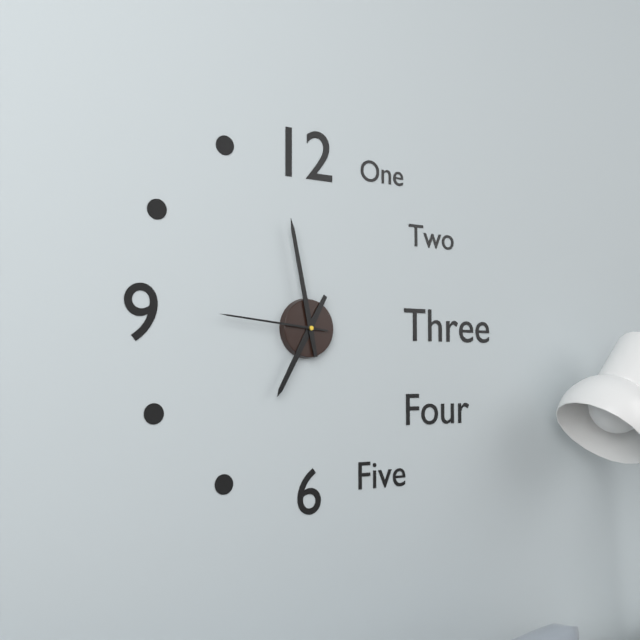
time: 6:58:46
